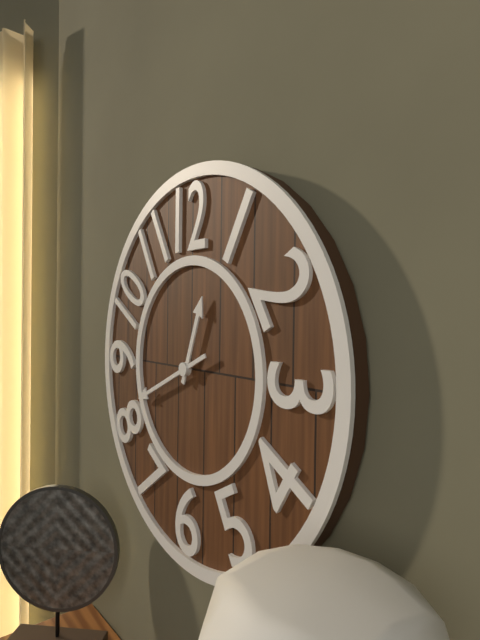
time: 12:41
